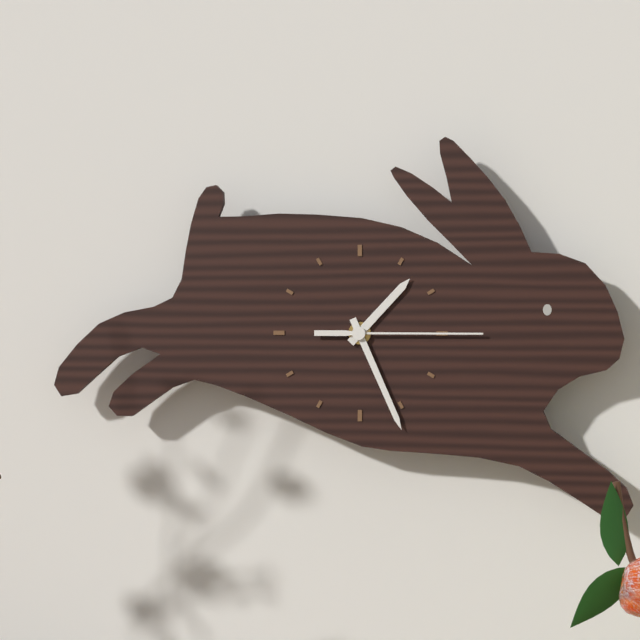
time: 1:26:15
